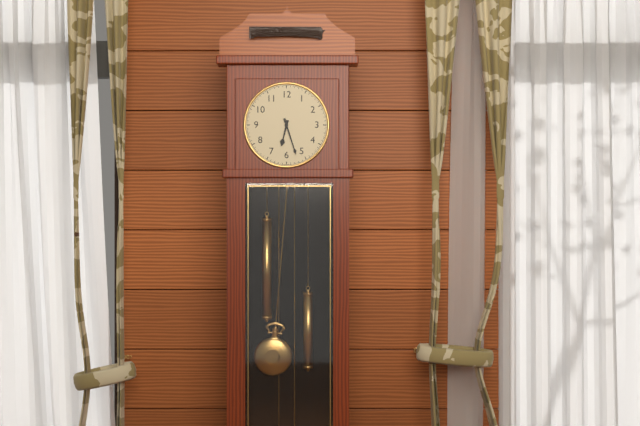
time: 6:27
